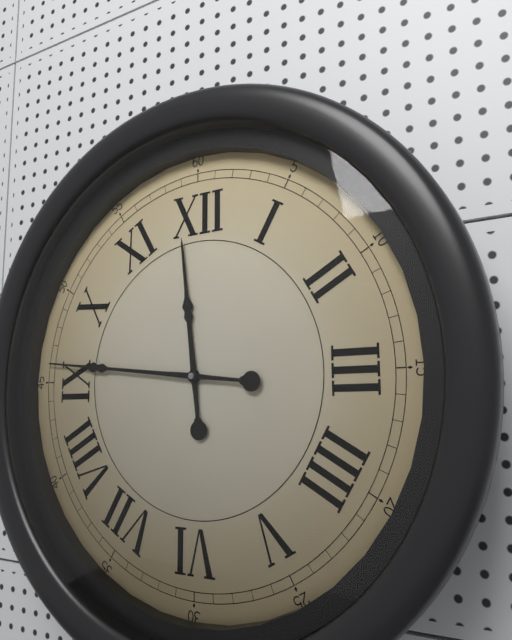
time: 11:46
